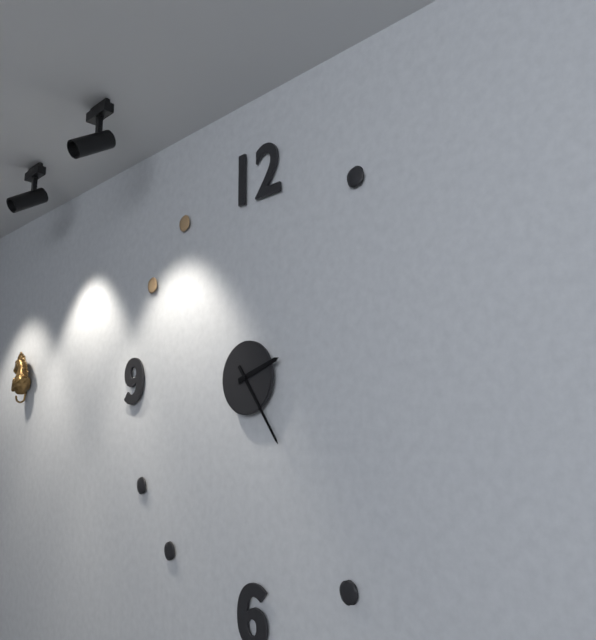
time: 2:24
